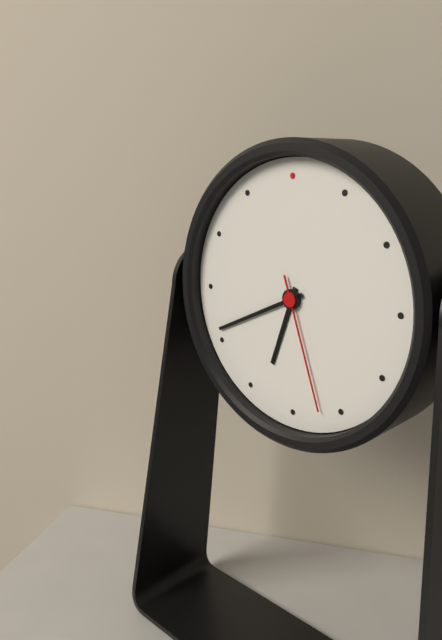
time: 6:41:27
